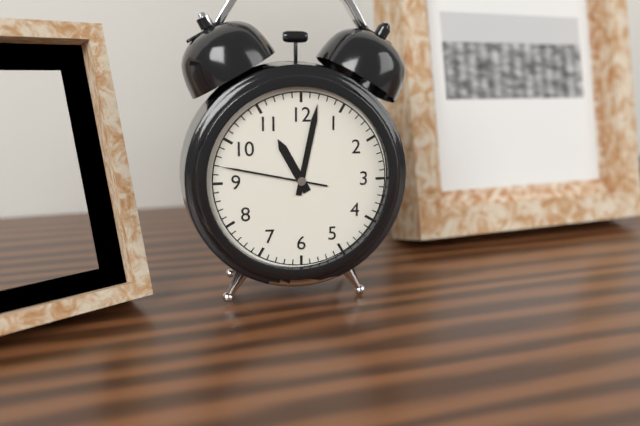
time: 11:02:47
